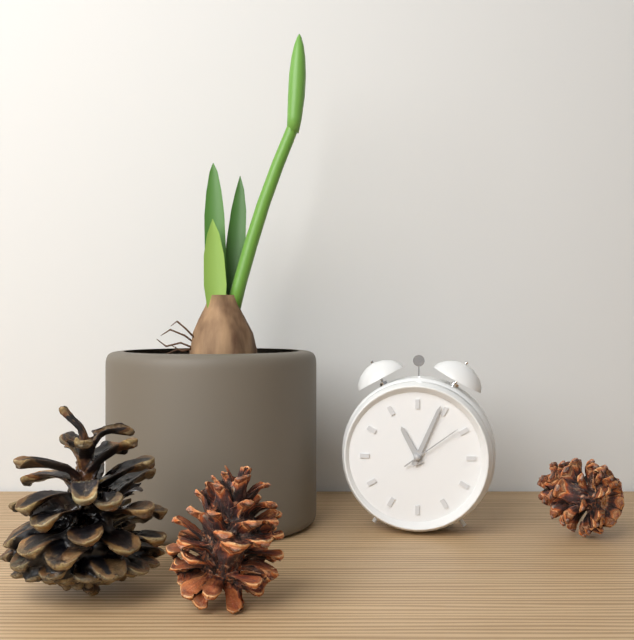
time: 11:04:09
